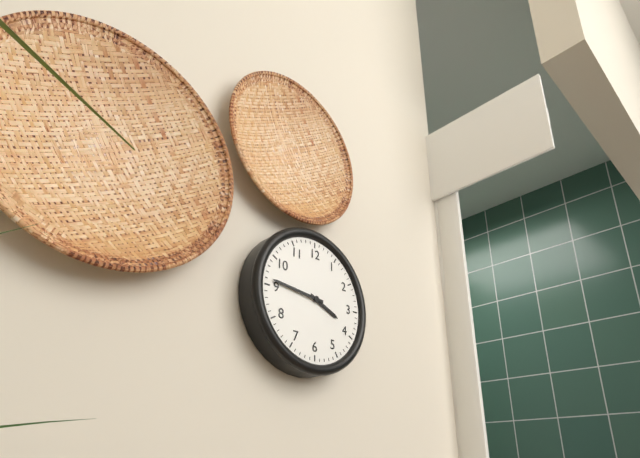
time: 3:46
